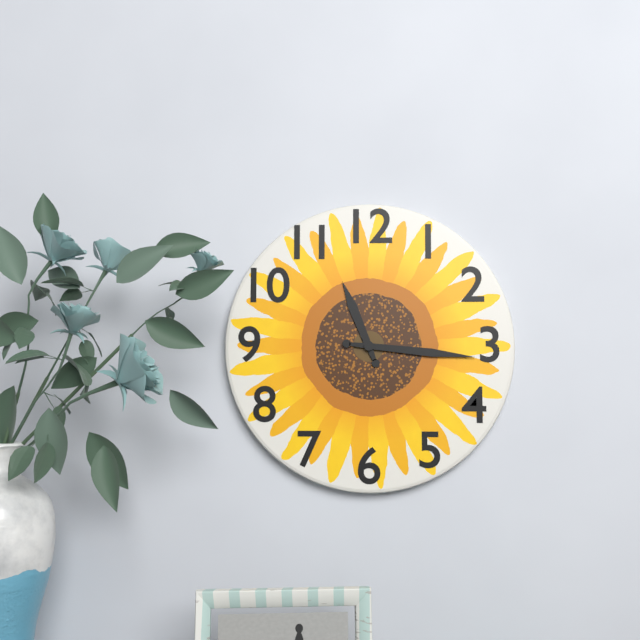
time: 11:16
